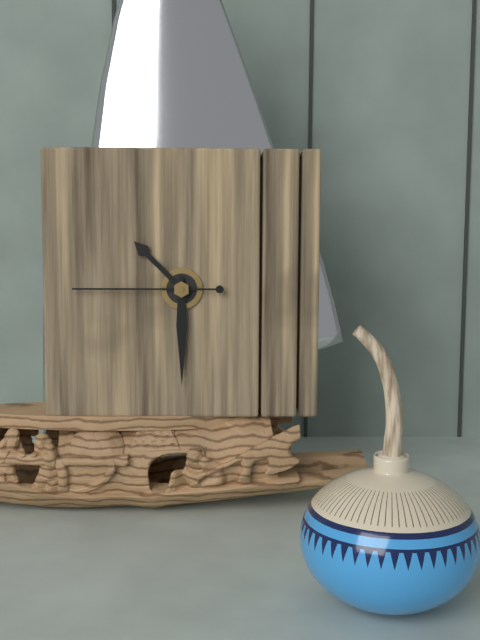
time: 10:30:45
